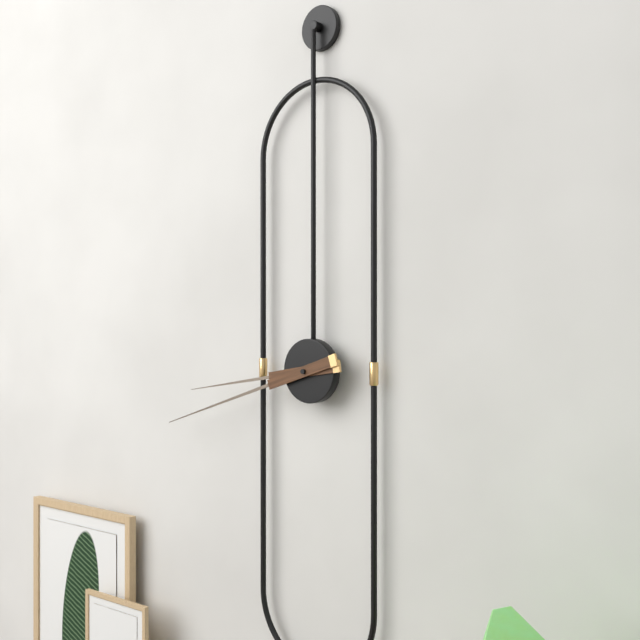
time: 8:42
